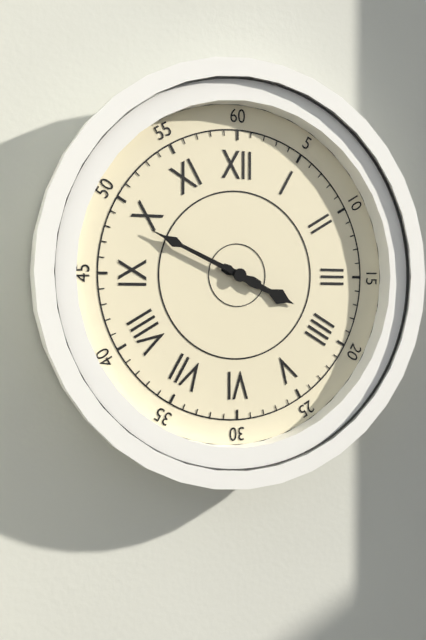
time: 3:49
